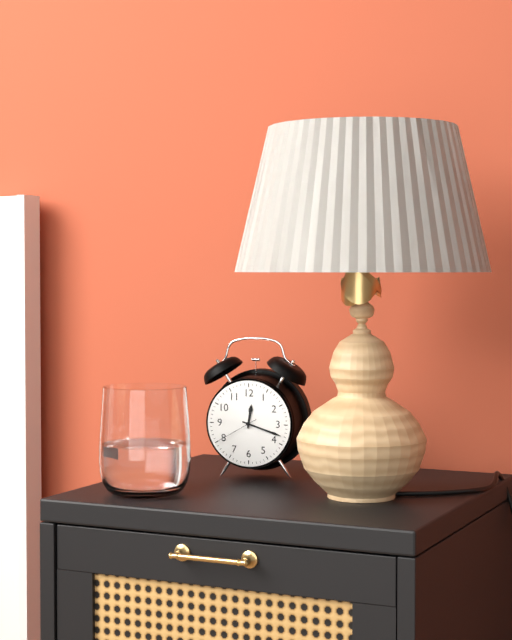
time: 12:18
